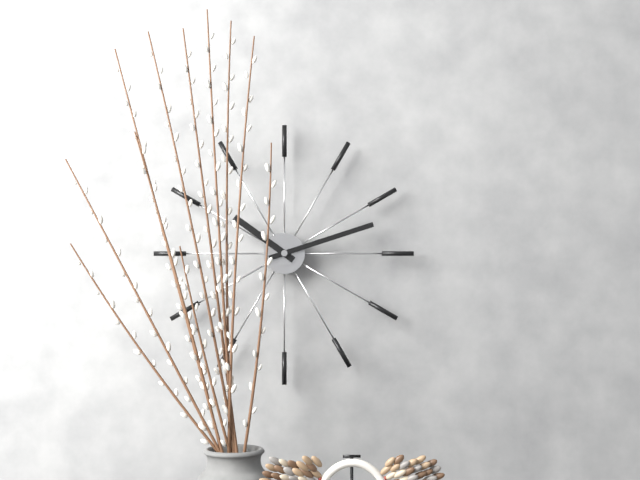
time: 10:12
